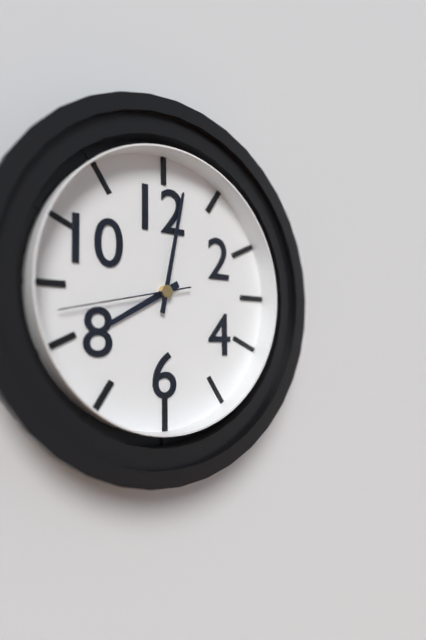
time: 8:02:43
